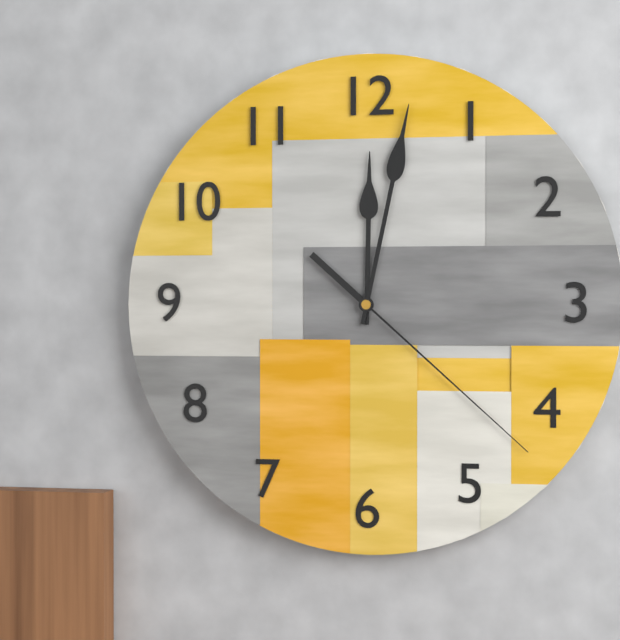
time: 12:02:22
